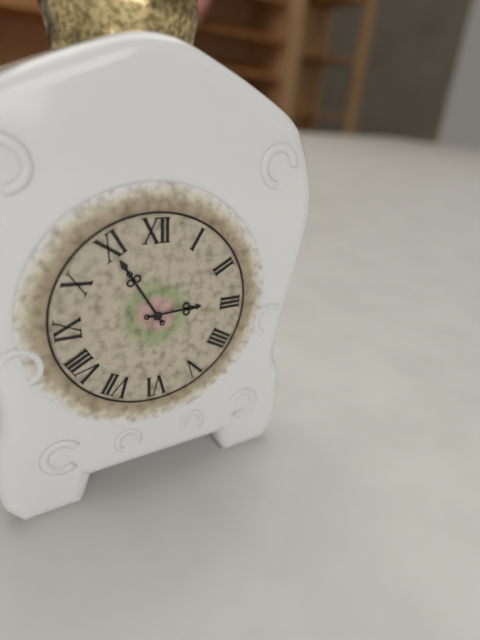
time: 2:55
